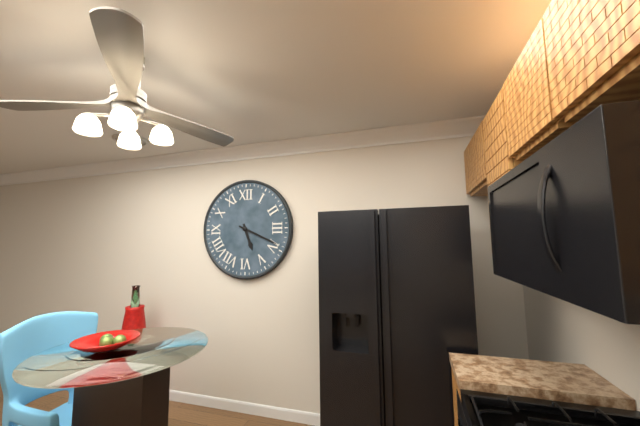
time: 5:19
